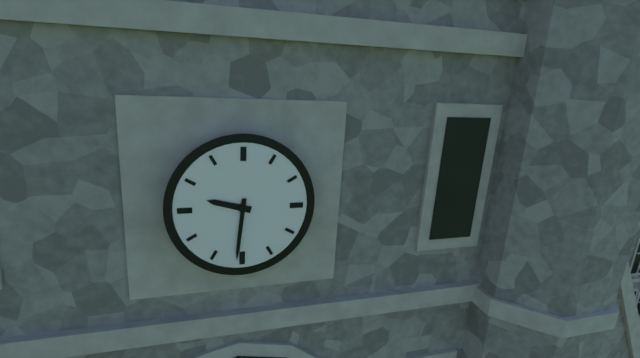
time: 9:31
